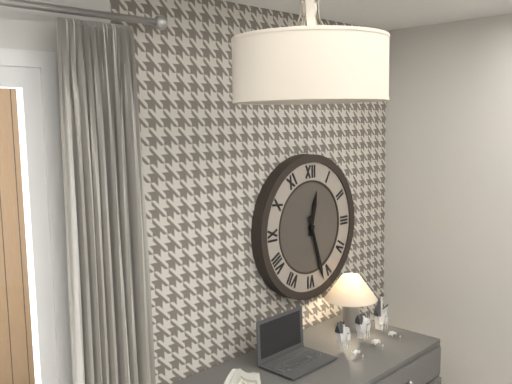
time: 12:27
